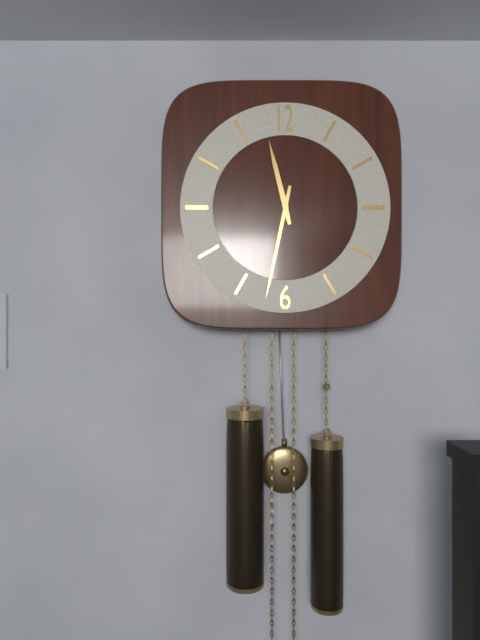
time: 11:32
